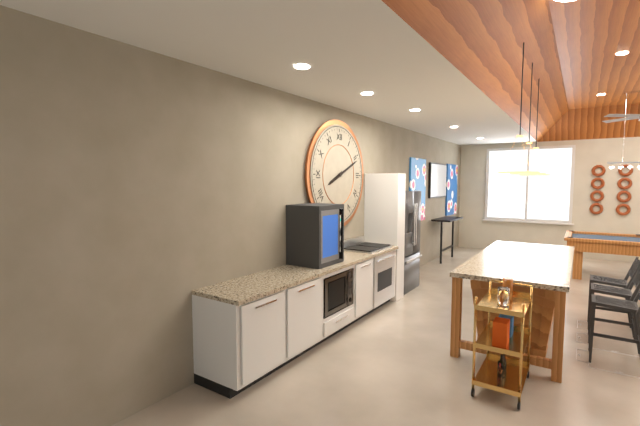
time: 8:11
